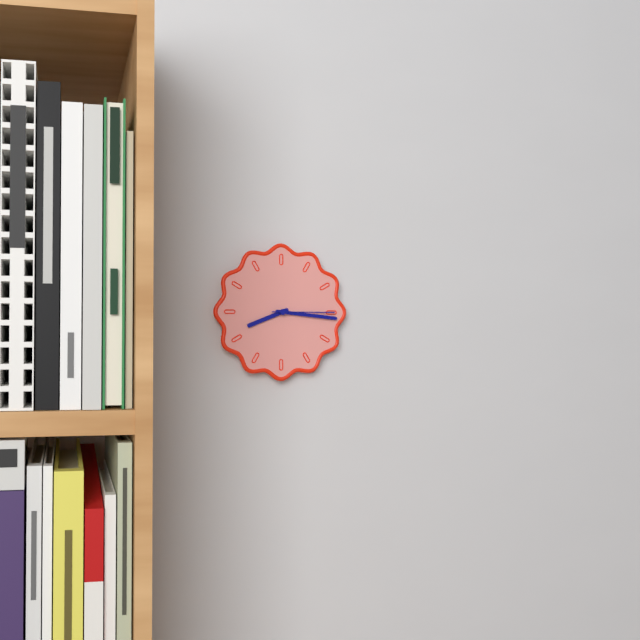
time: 8:16:15
